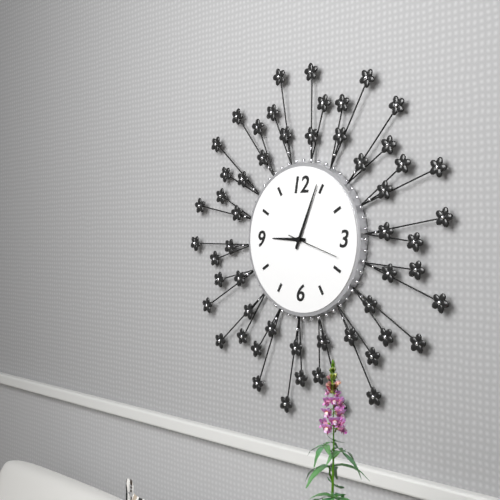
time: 9:04:18
